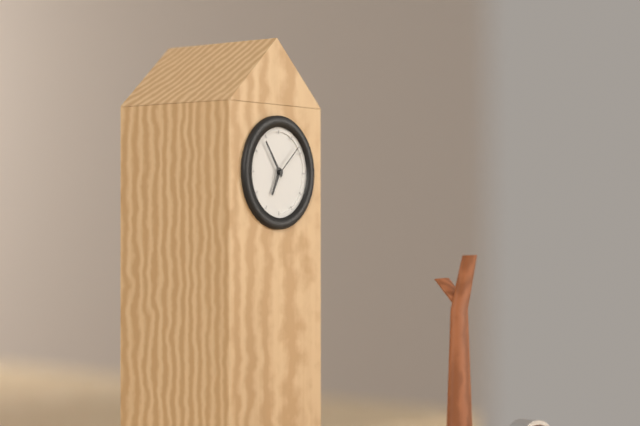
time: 6:54
